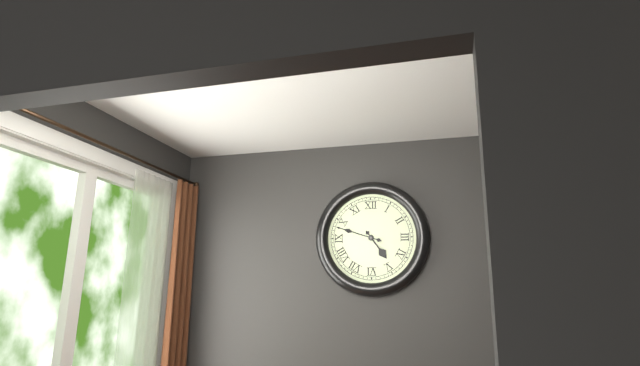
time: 4:48
